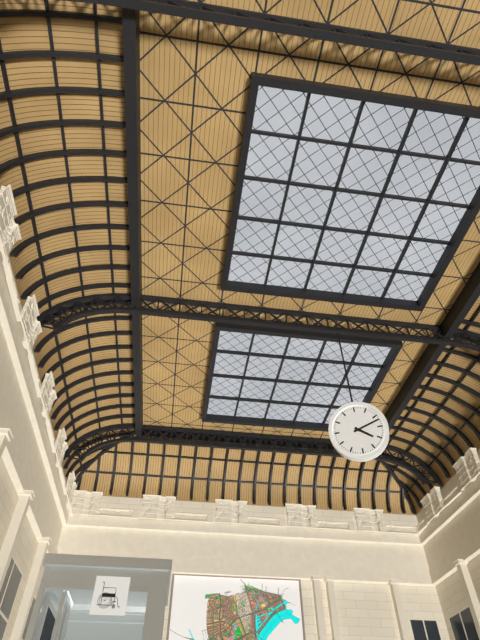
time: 4:12
